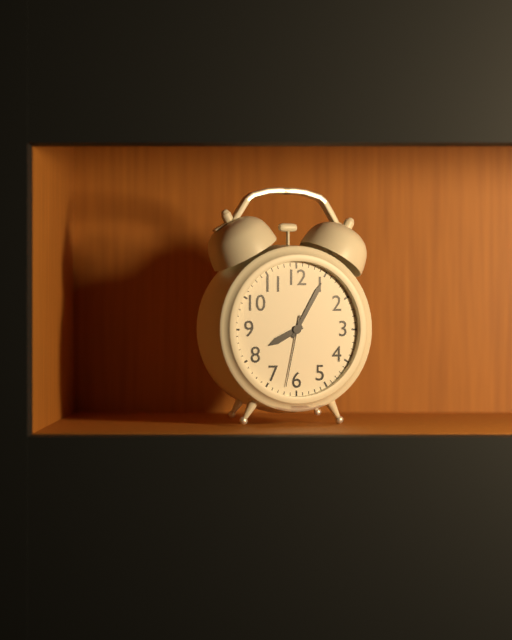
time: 8:05:32
